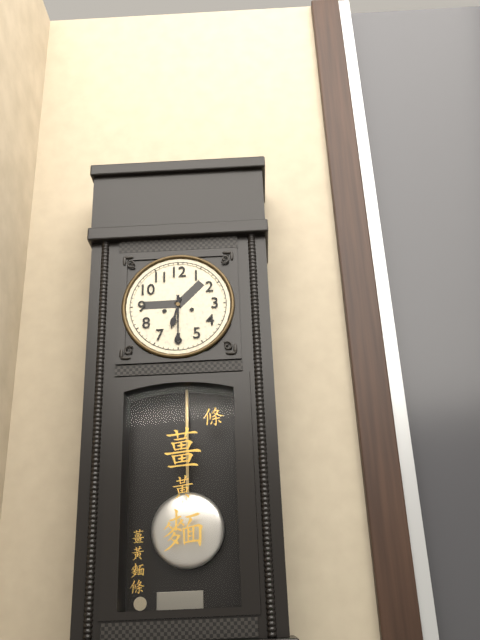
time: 6:30
